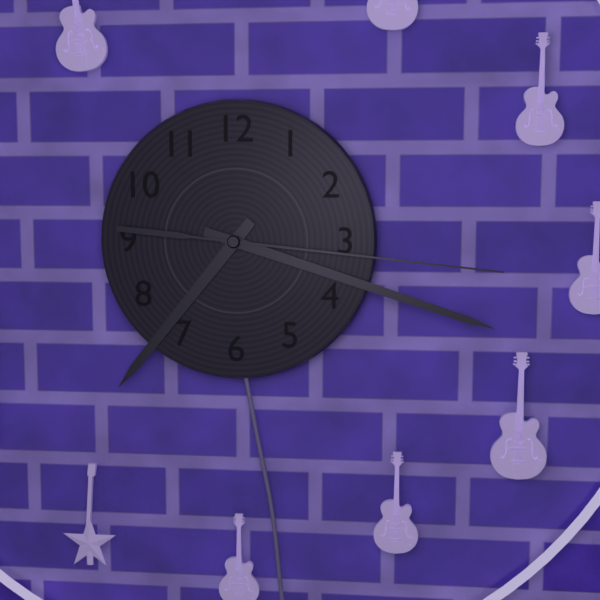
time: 7:18:16
